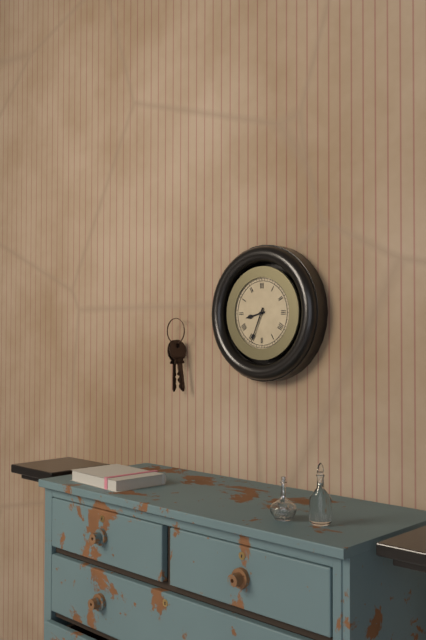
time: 8:34
